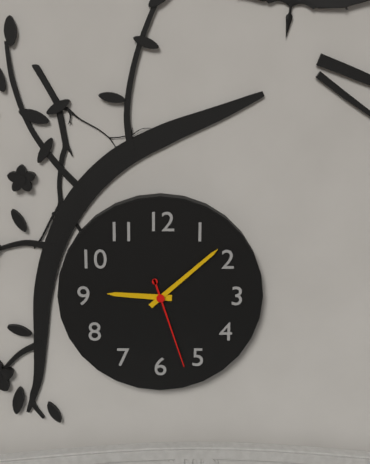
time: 9:08:27
